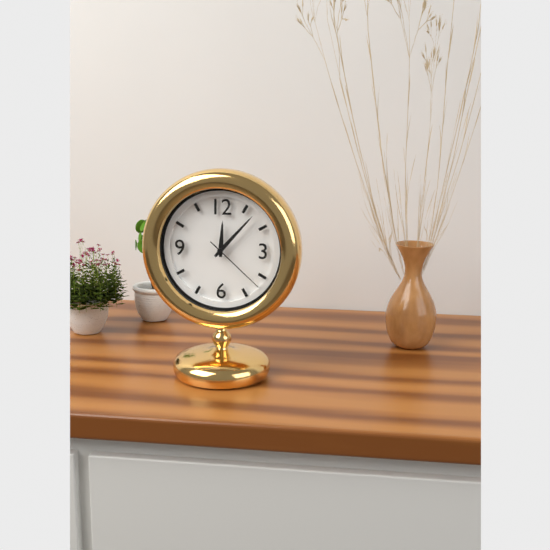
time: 12:07:22
